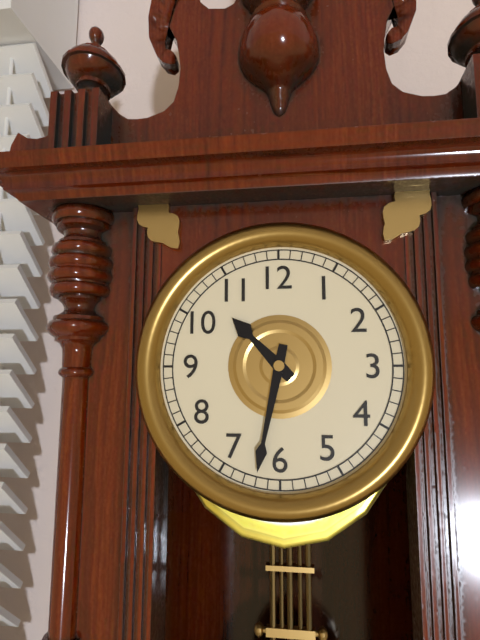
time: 10:32
